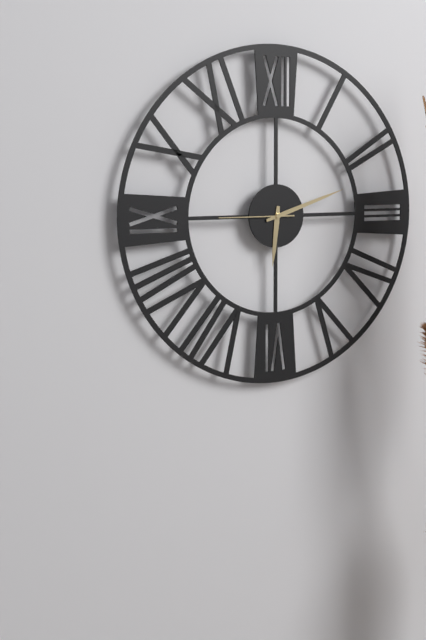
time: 6:12:45
